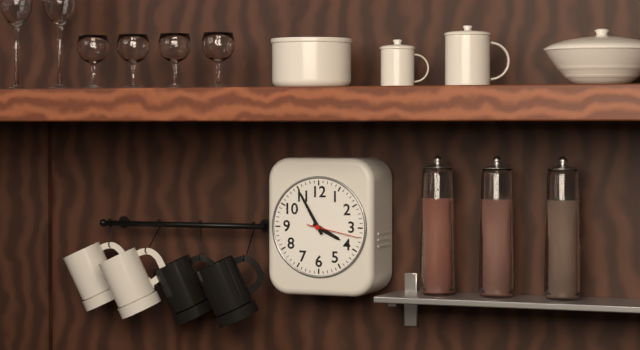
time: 3:55:17
